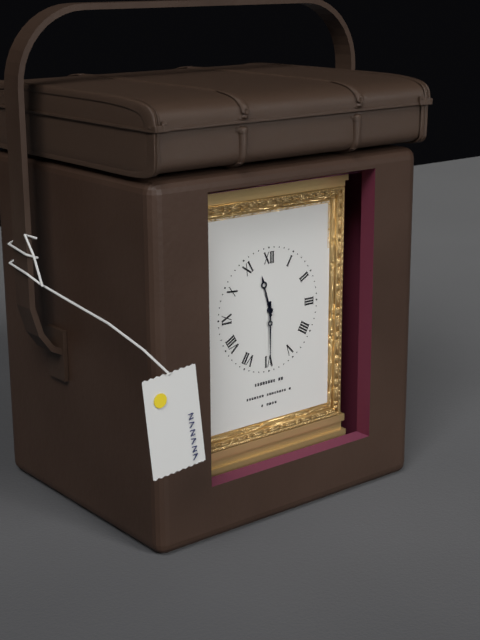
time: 11:30
